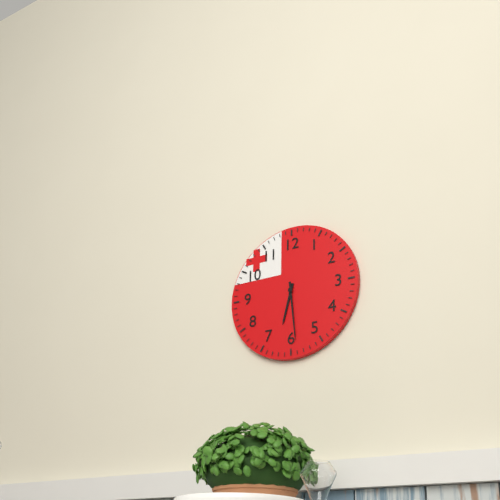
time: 6:29
